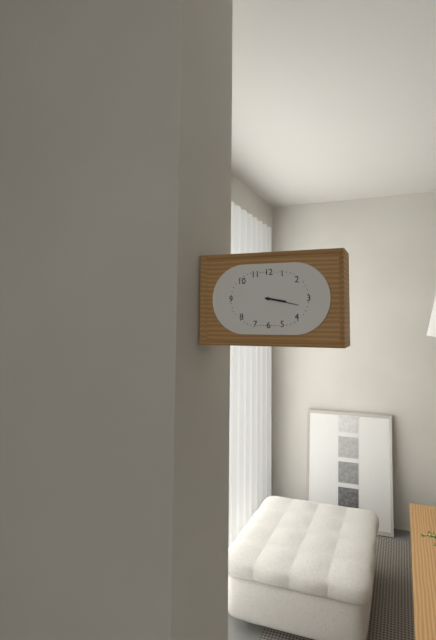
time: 3:17
